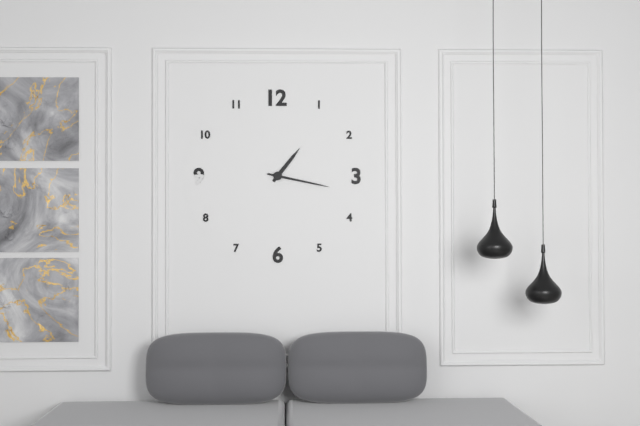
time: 1:17
